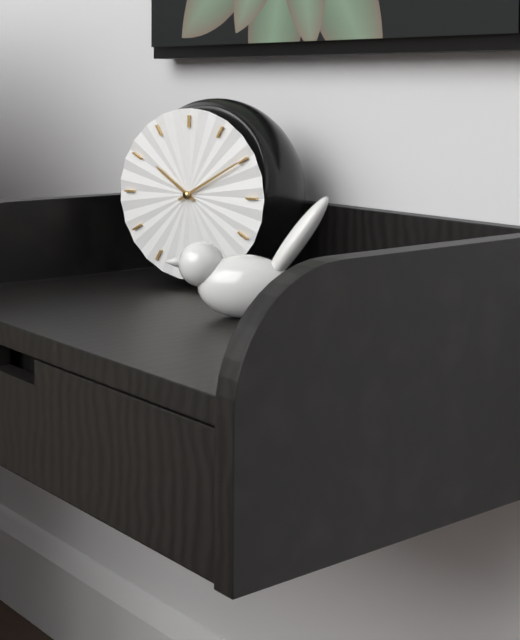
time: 10:10
